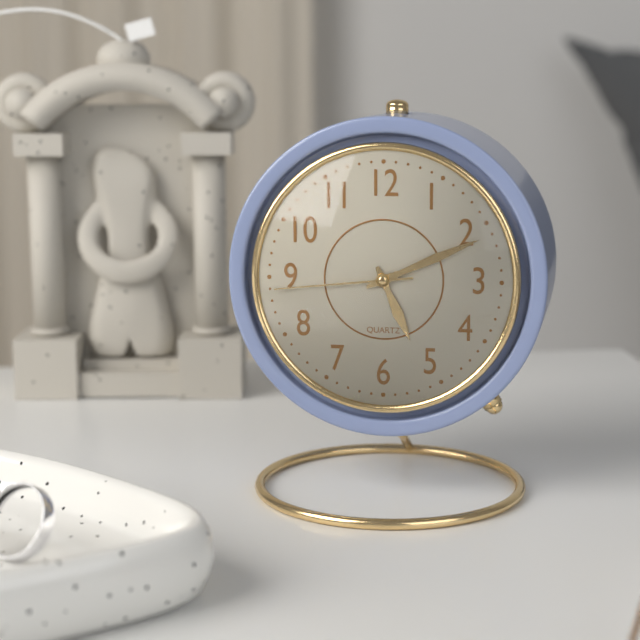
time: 5:11:44
